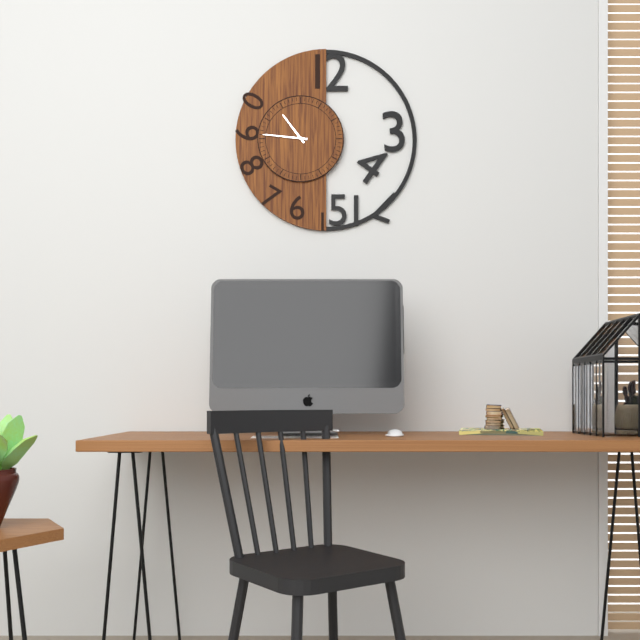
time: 10:46
